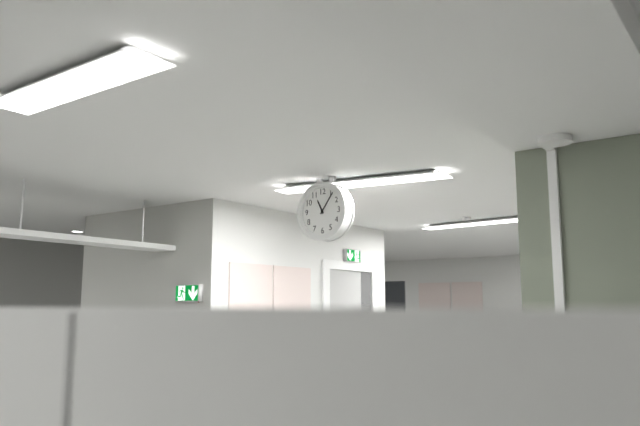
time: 11:06
